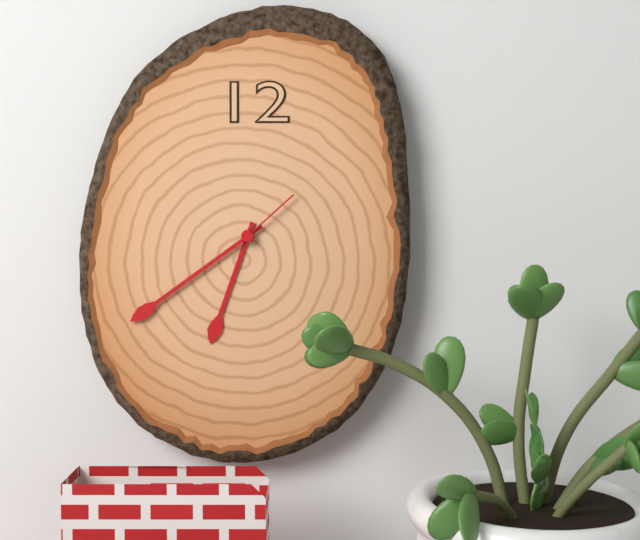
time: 6:39:08
